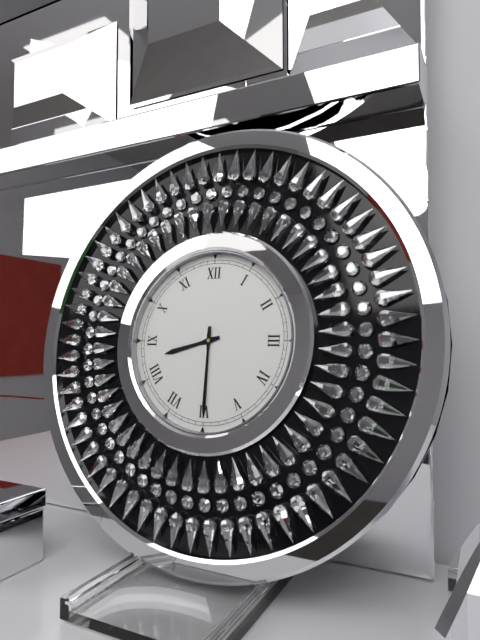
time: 8:30
